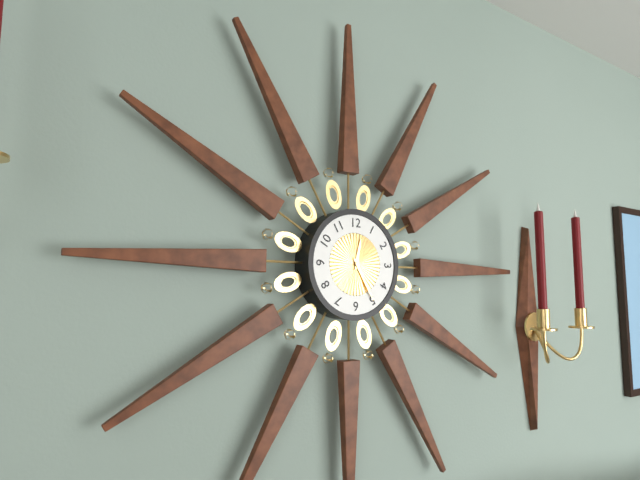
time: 12:25
